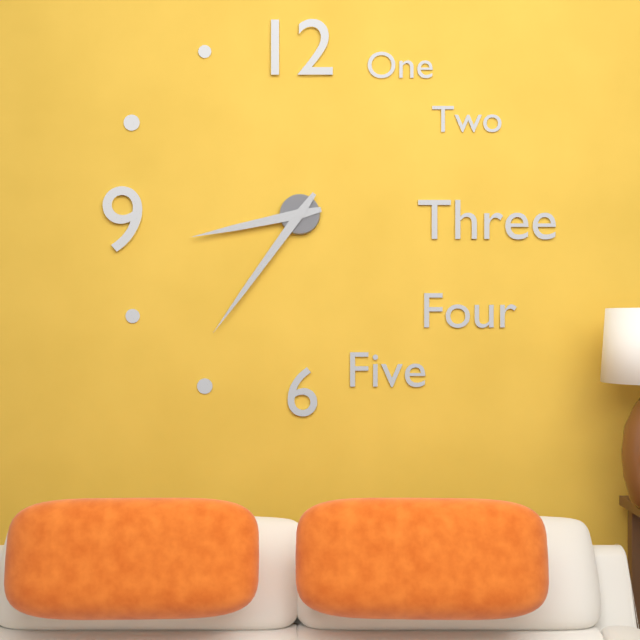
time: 8:36
